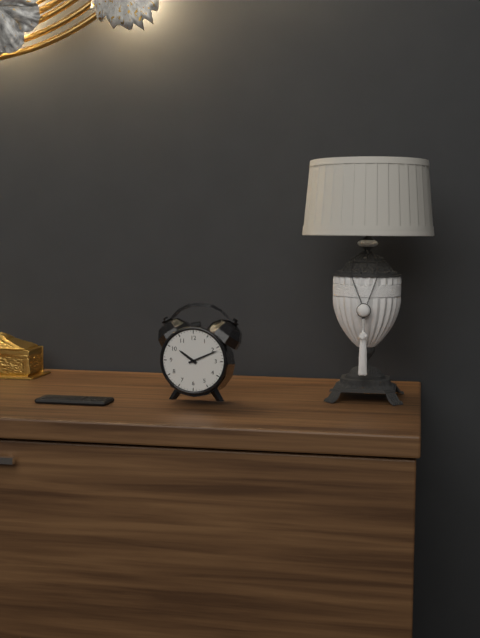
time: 10:11
